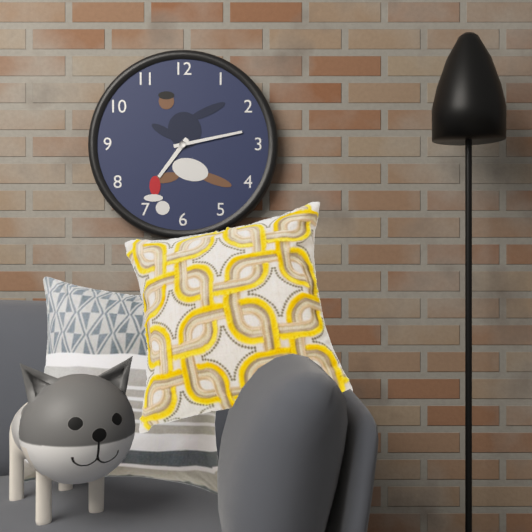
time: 7:13
